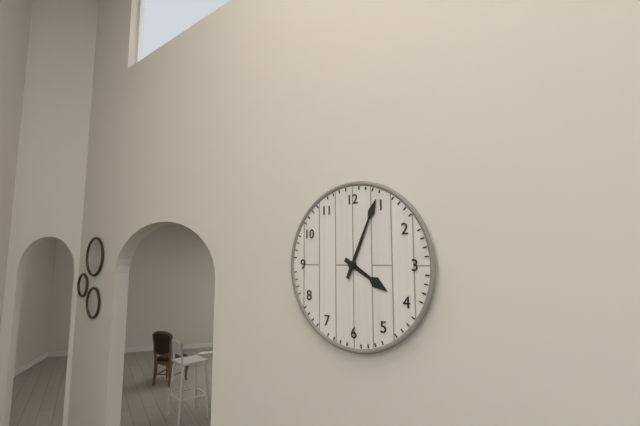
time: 4:04
